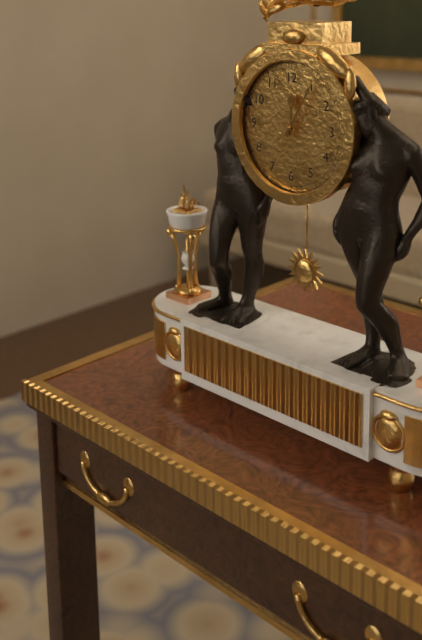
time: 12:05
